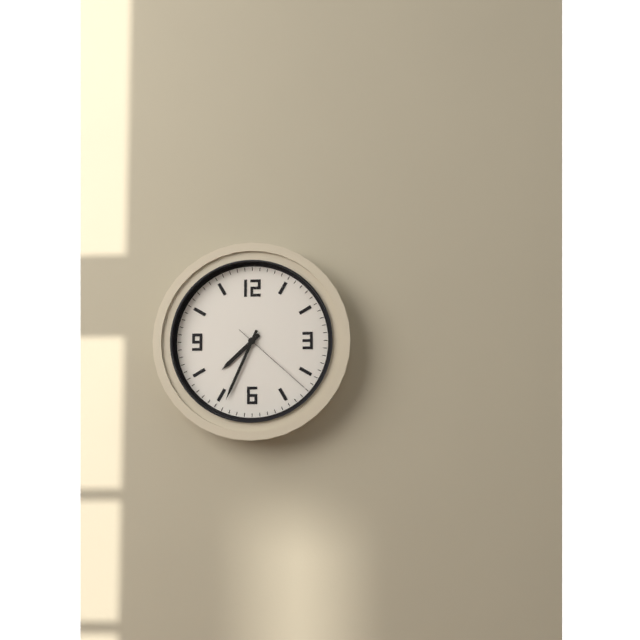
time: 7:34:22
